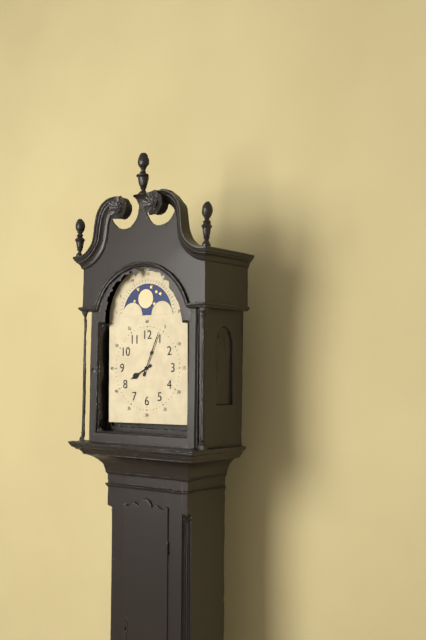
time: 8:04
